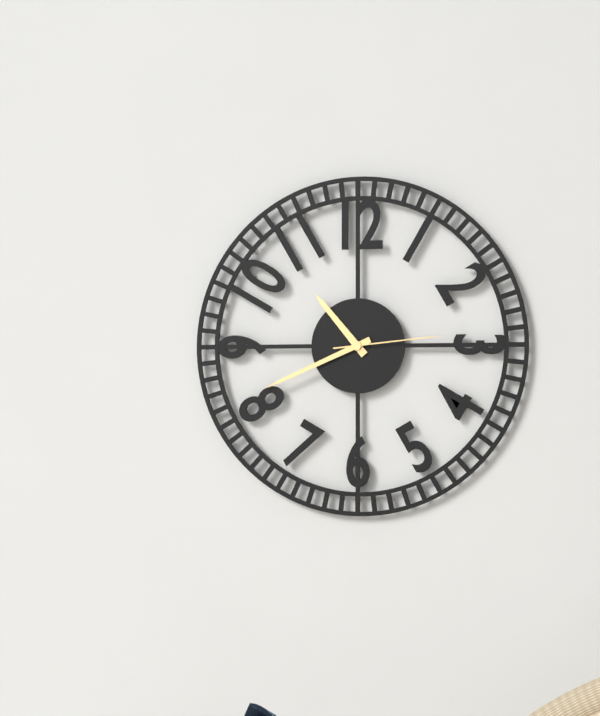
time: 10:41:14
